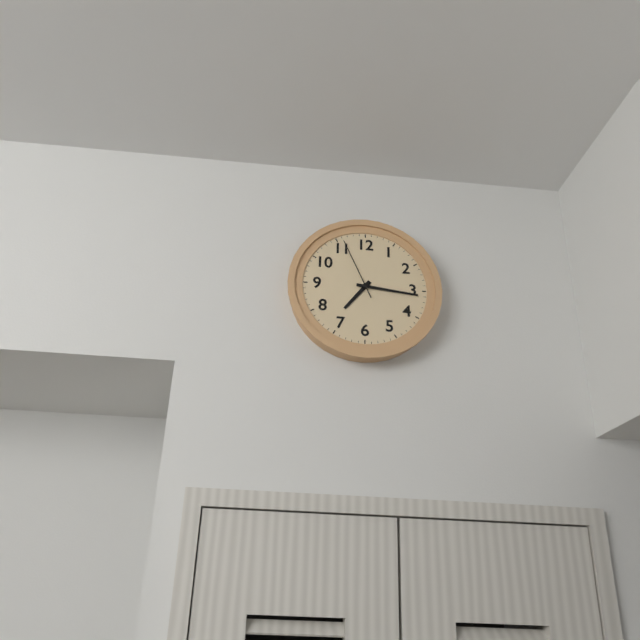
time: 7:16:56
